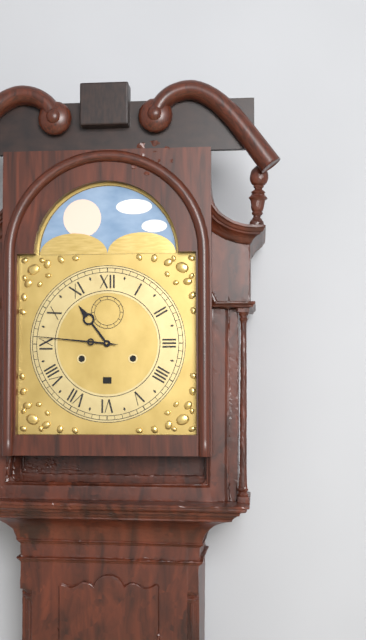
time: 10:46
